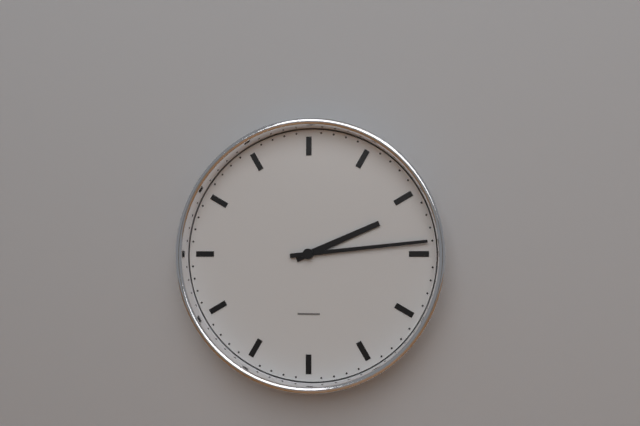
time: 2:14
